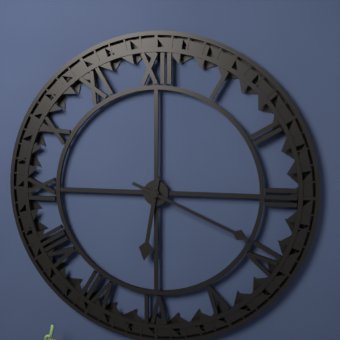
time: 6:19
